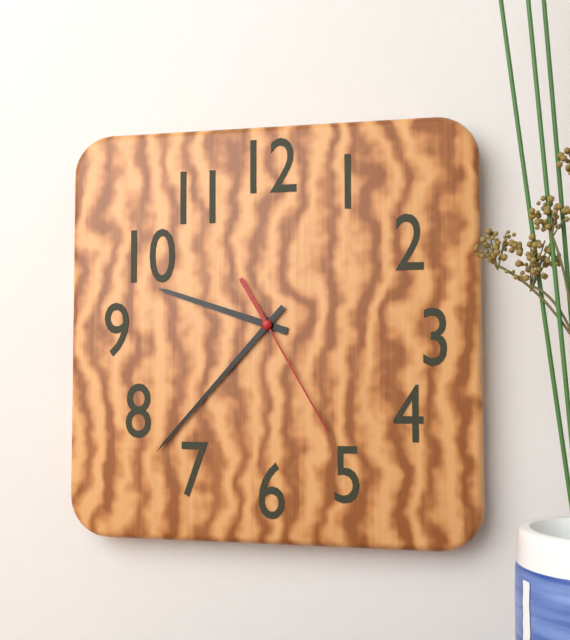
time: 9:37:25
